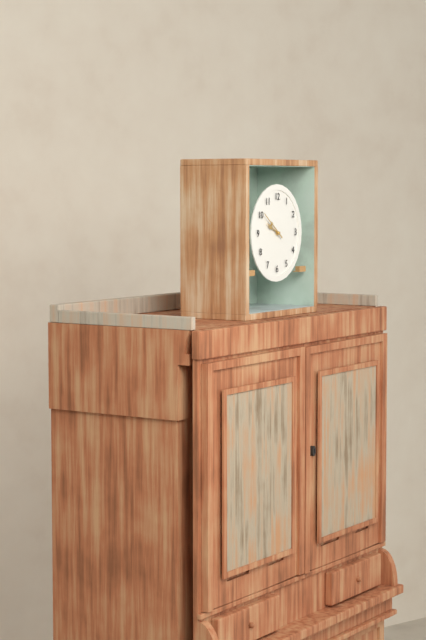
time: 9:51
